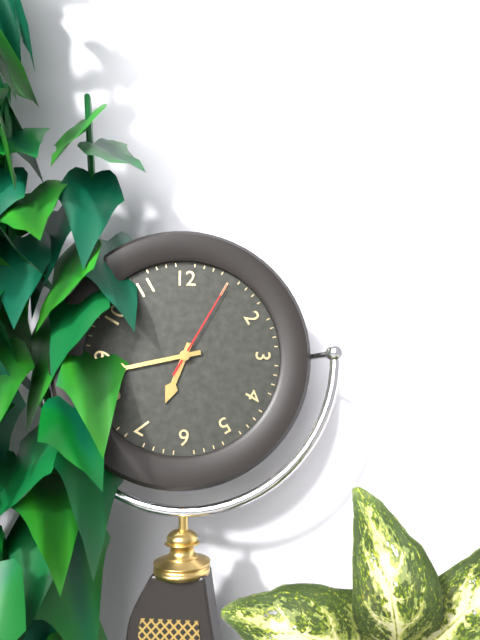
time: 6:43:05
